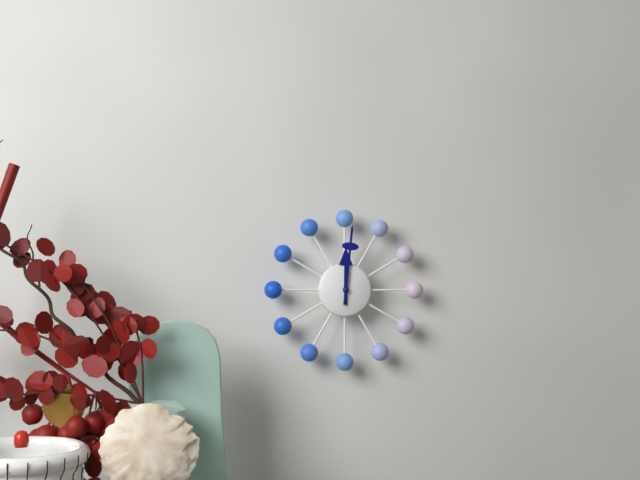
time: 12:01
